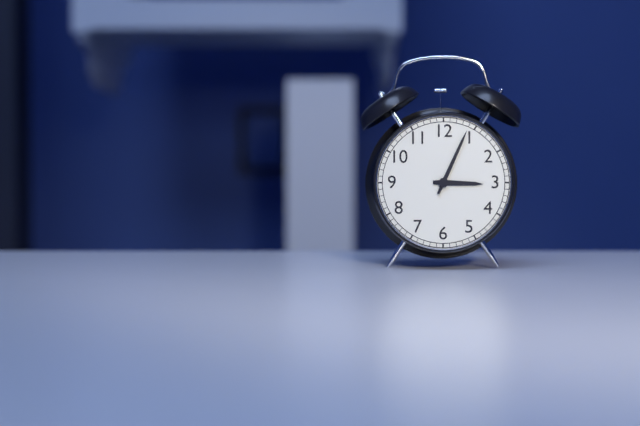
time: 3:04
